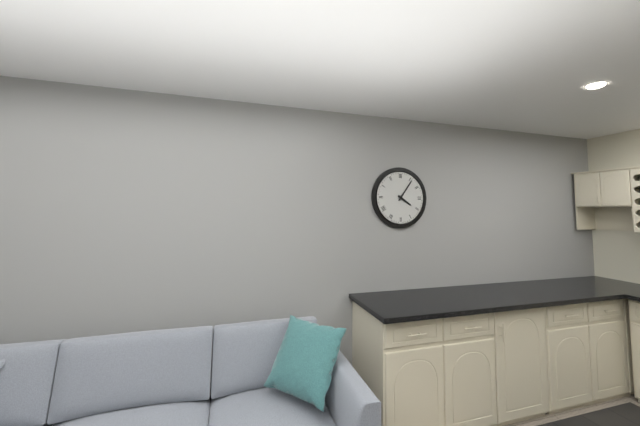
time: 4:06
